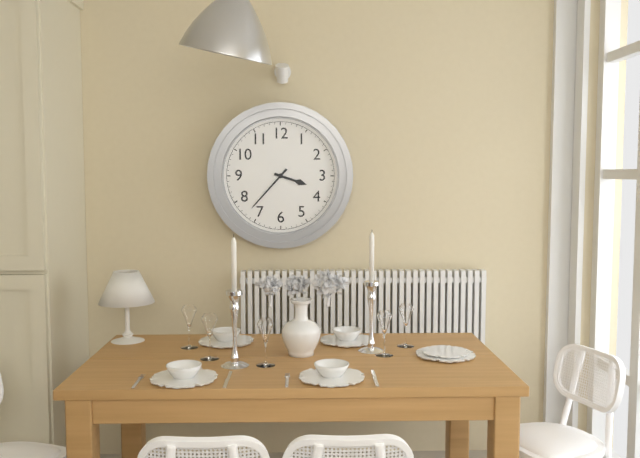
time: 3:37
